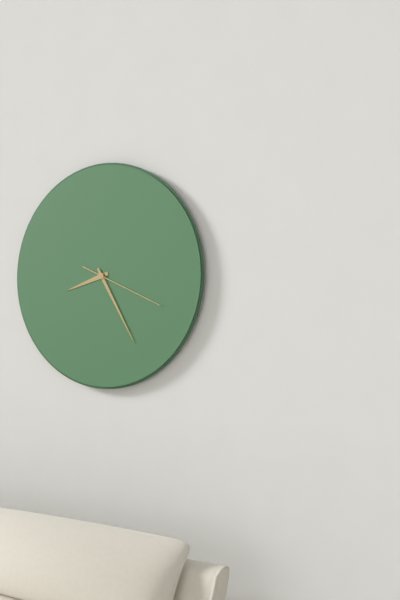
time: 8:25:19
